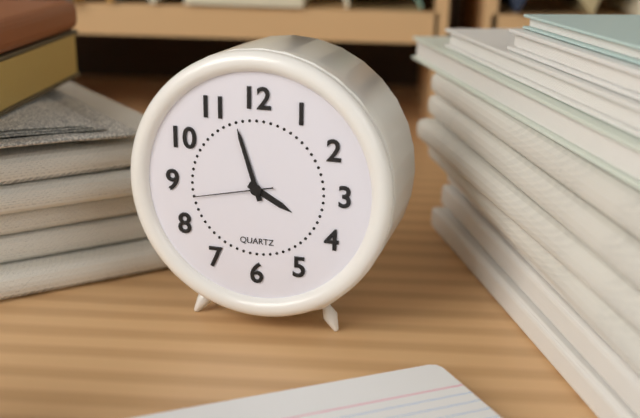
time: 3:57:43
